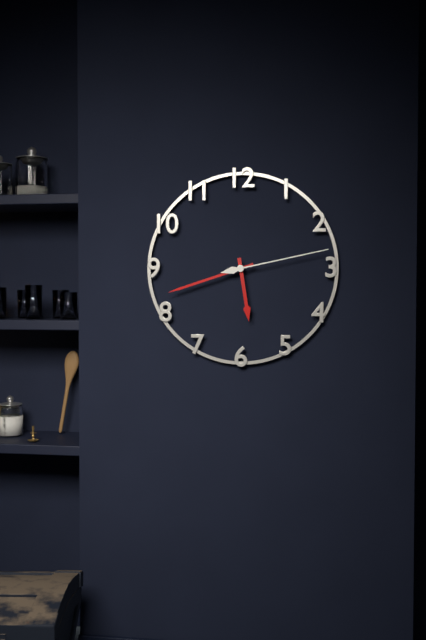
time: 5:42:13
